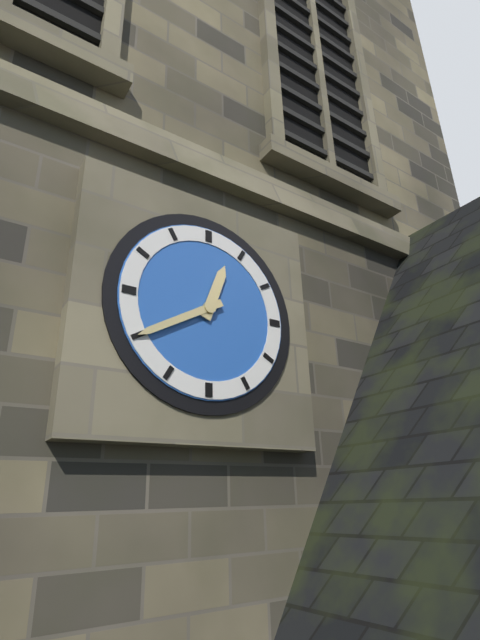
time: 12:40
